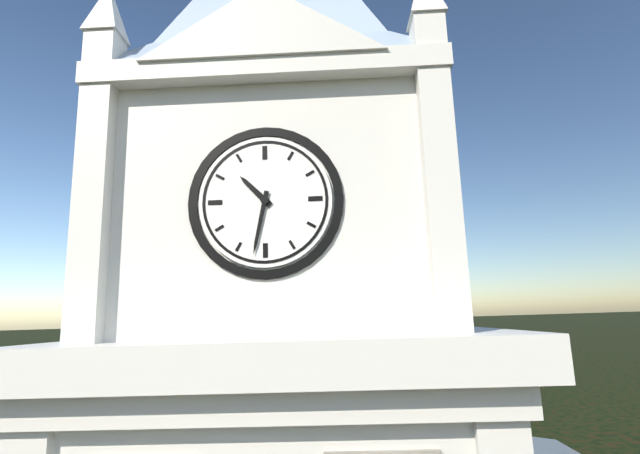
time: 10:32
